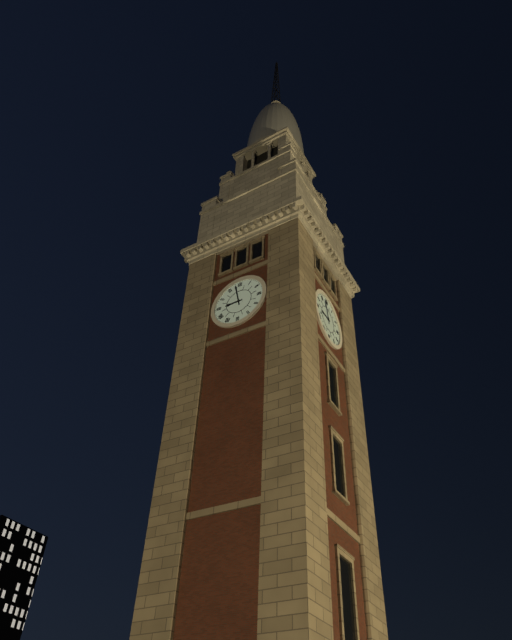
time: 8:58
